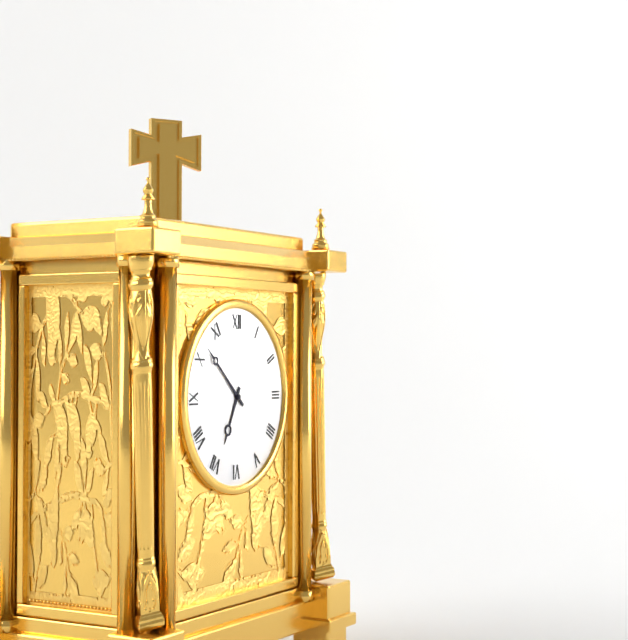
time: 6:52
